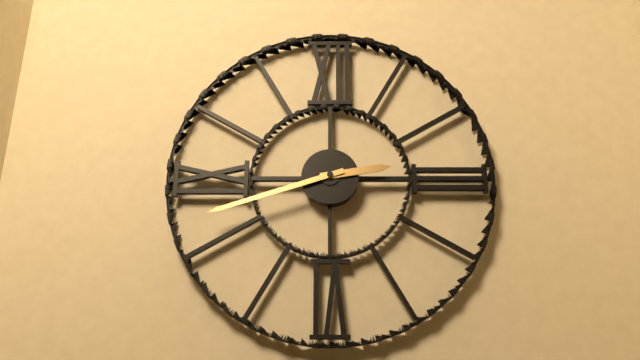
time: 2:42
